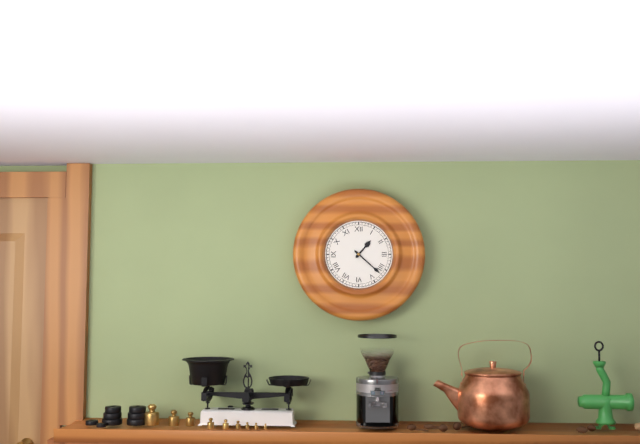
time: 1:22
